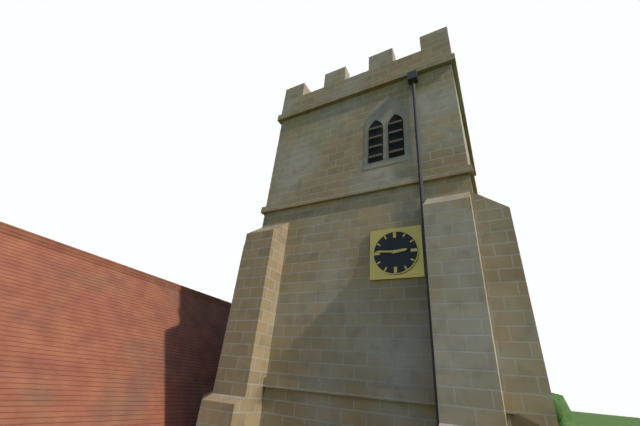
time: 2:46
